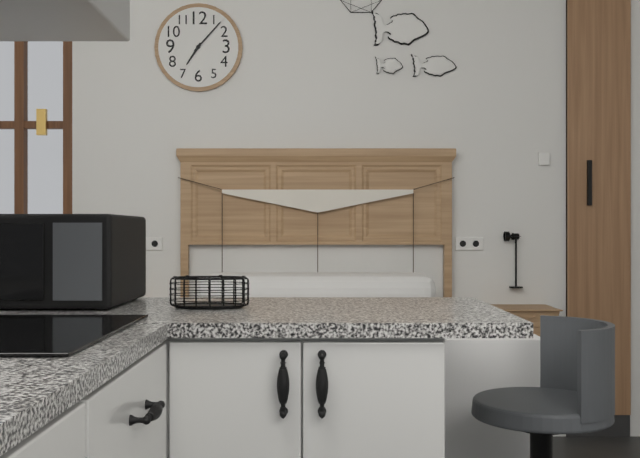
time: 7:07
